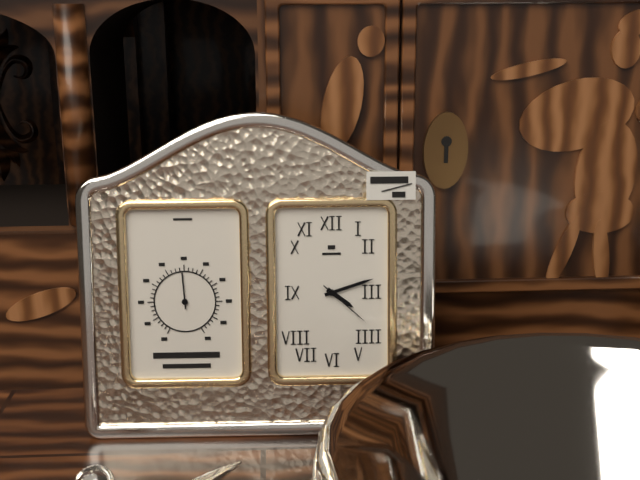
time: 4:12:22
